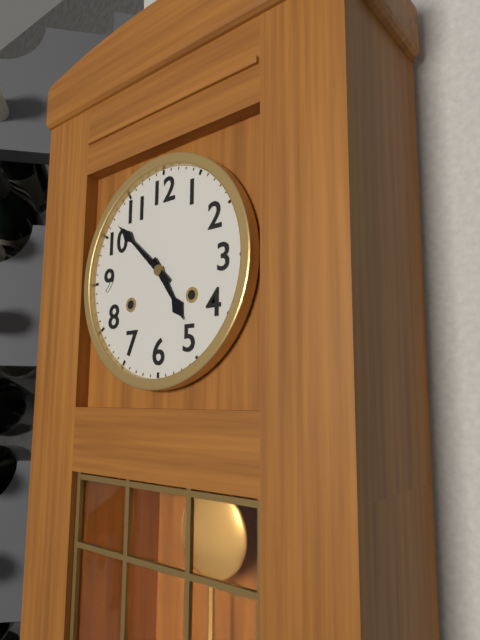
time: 4:52
